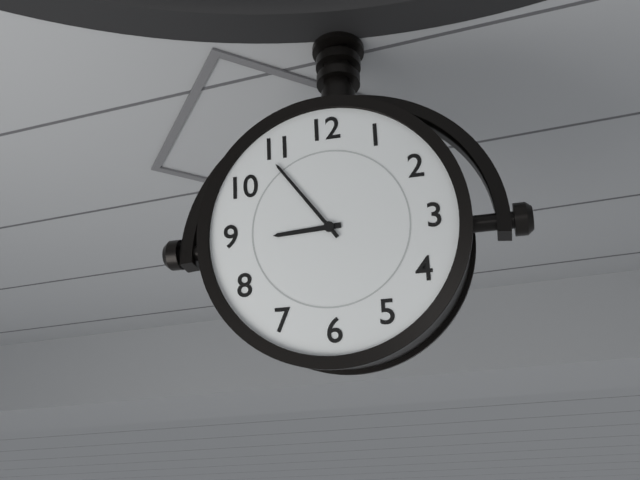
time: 8:54
